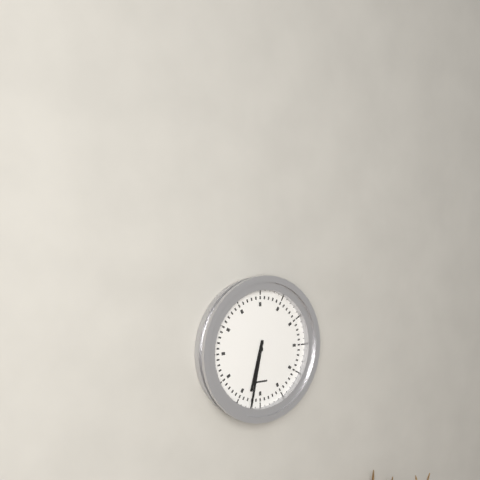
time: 6:32
